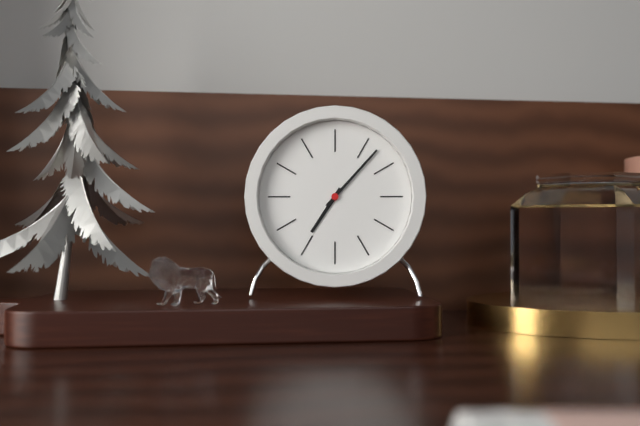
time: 7:07
